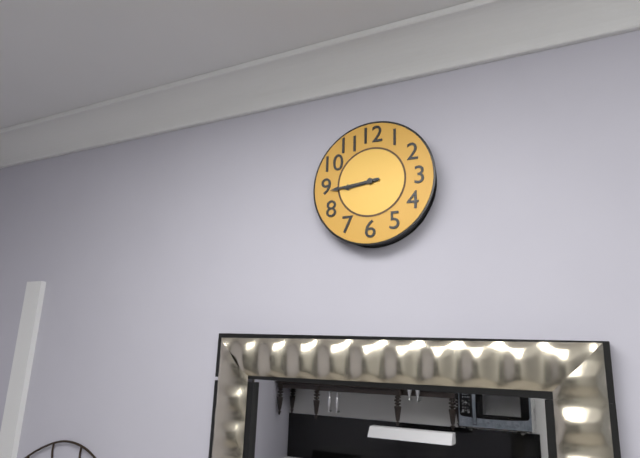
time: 8:44
